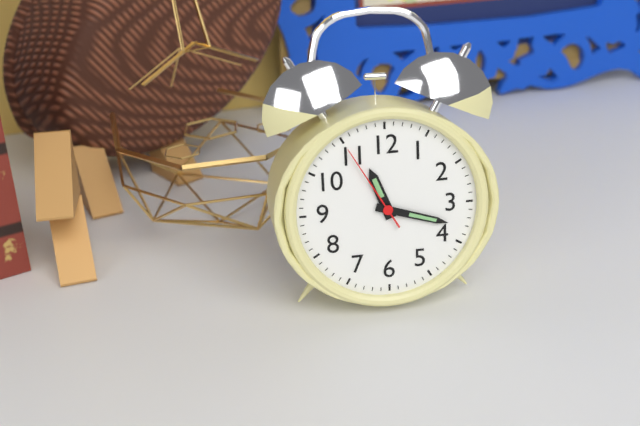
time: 11:18:55
